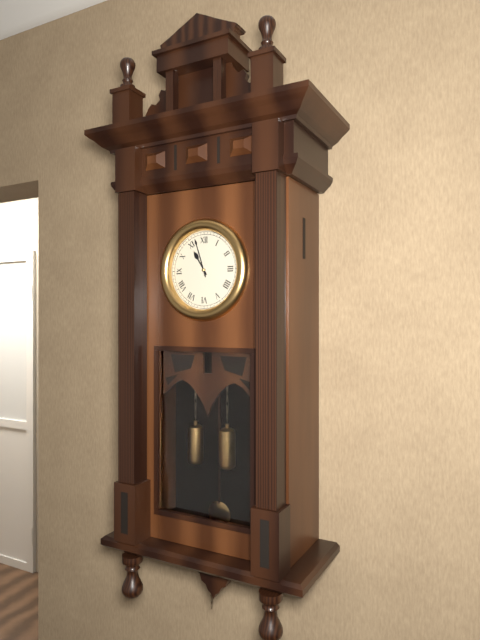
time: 10:57
